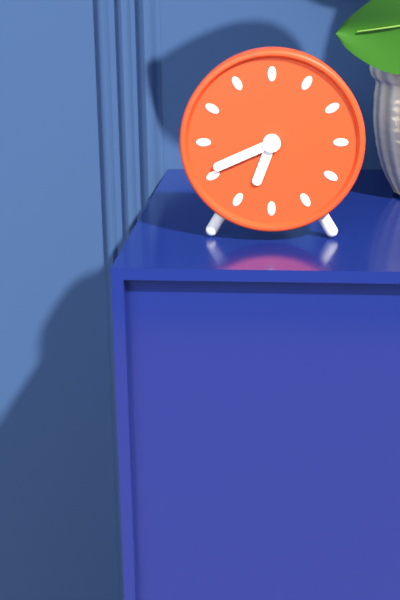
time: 6:41
